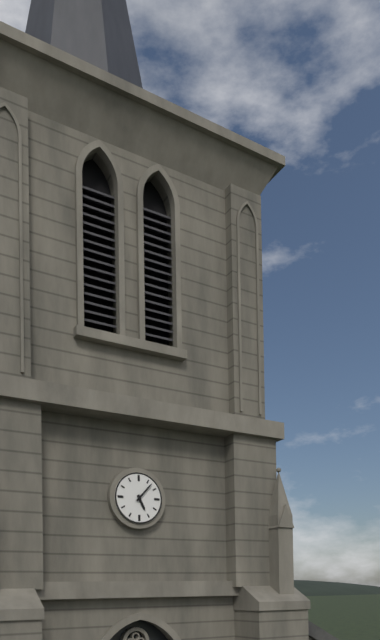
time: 5:07
